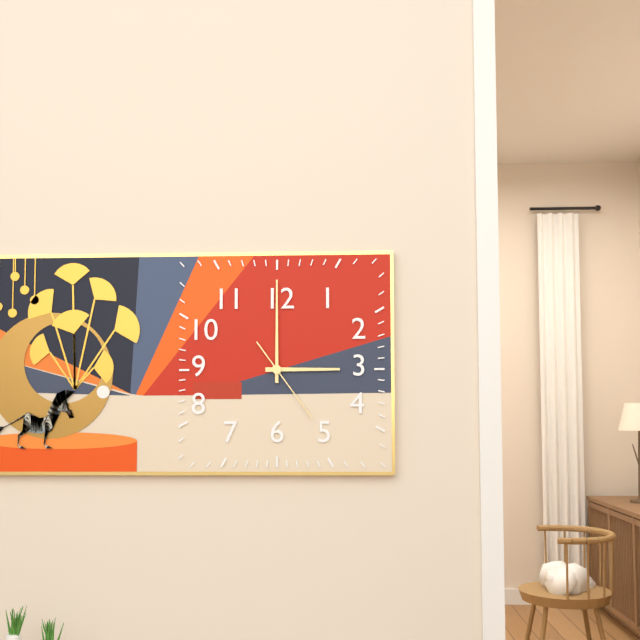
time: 3:00:24
